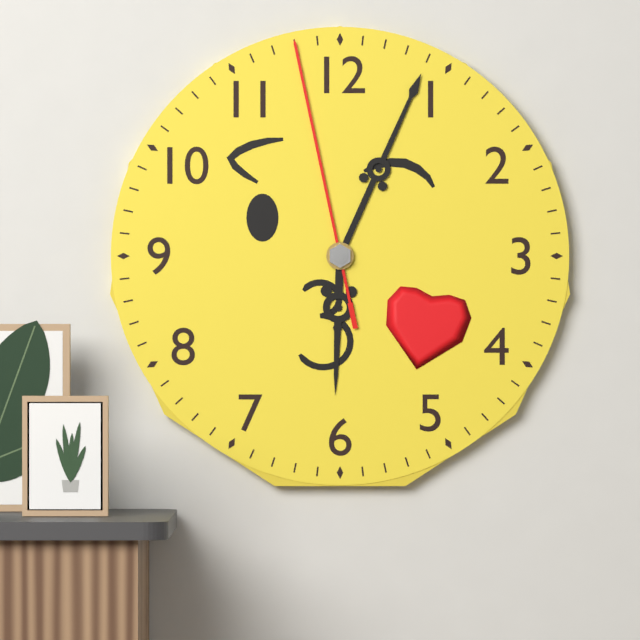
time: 6:04:58
